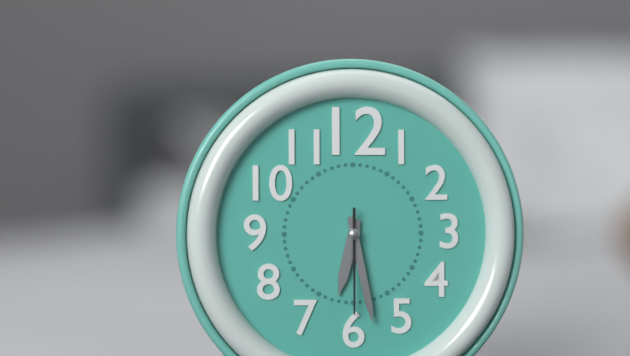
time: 6:28:30
